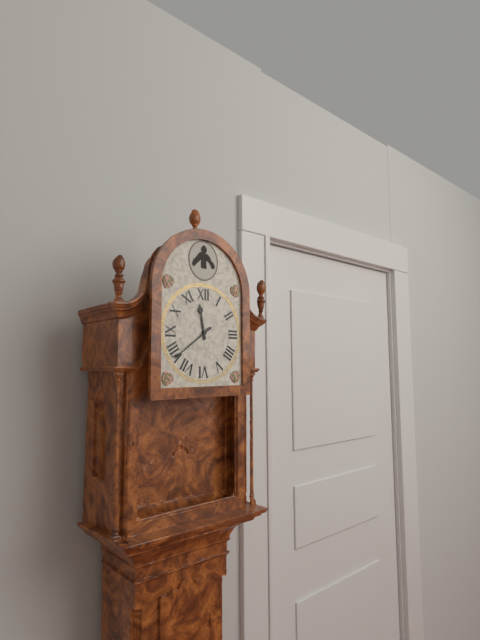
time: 11:39
